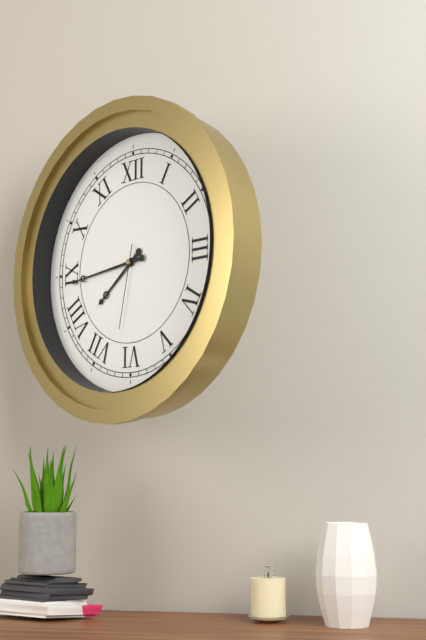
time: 7:44:32
